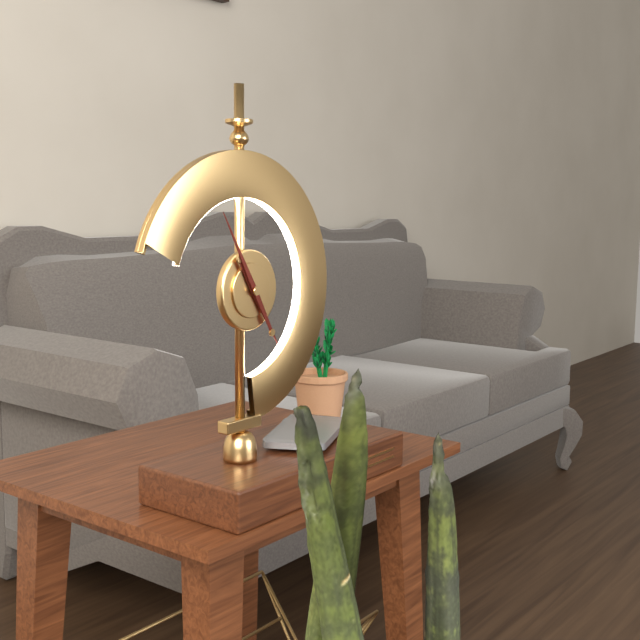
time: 4:55
